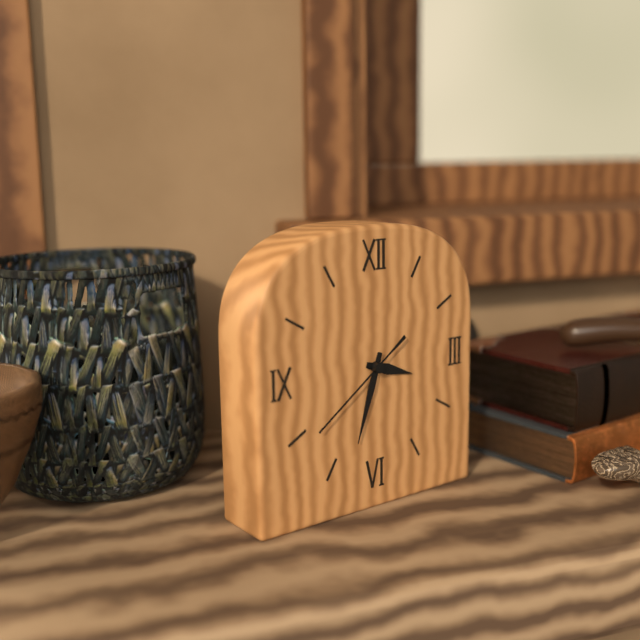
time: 3:33:39
